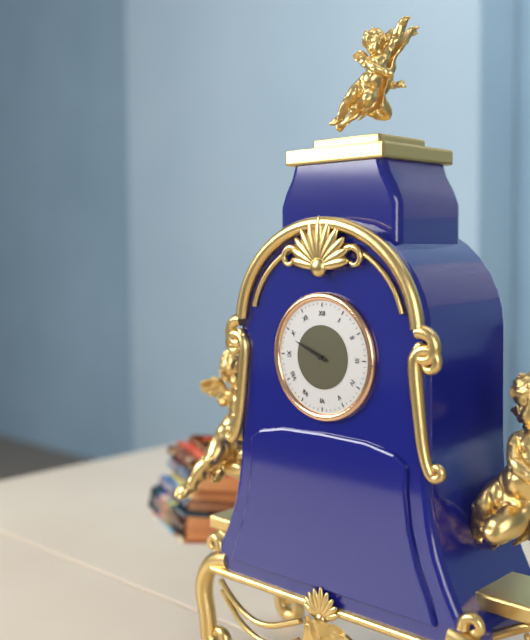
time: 9:49
